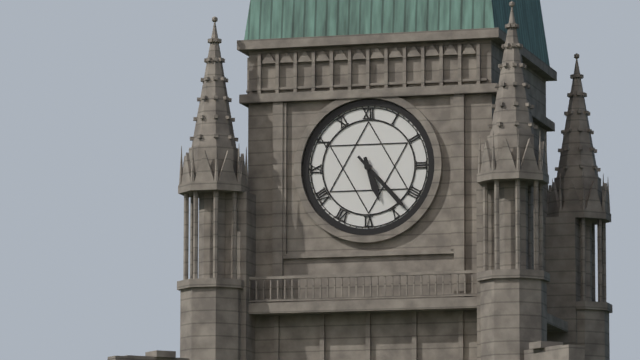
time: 5:23
